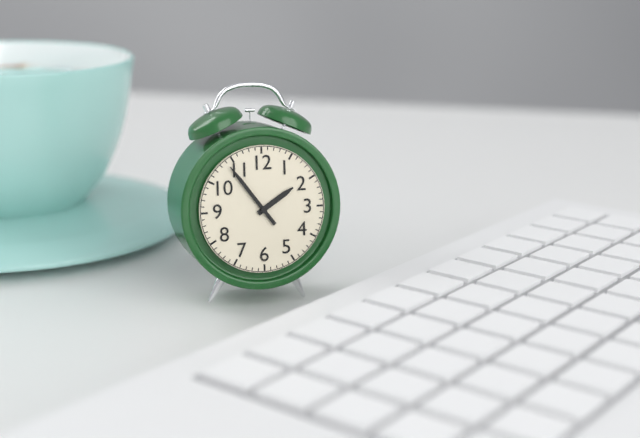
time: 1:54
